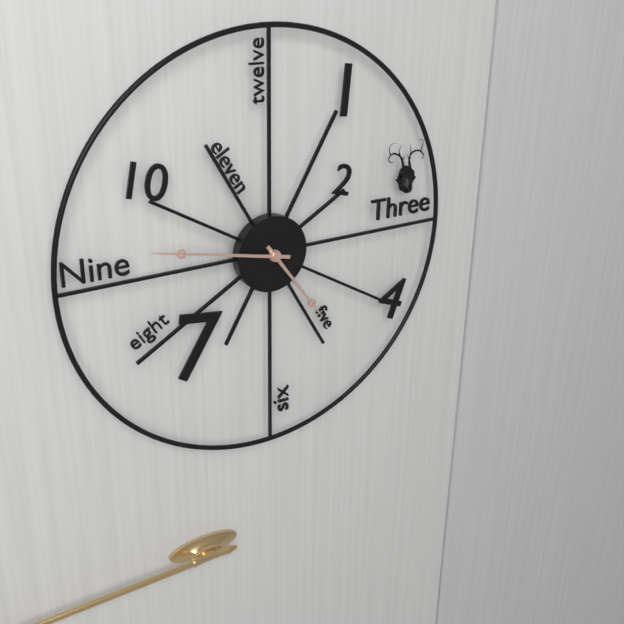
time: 4:47
